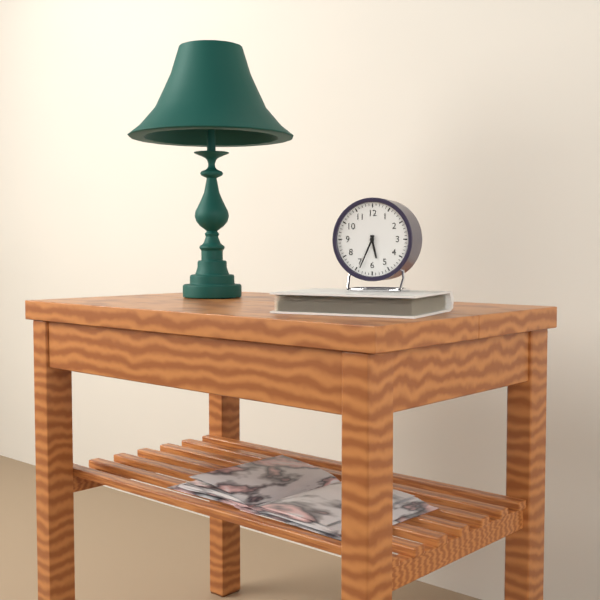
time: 5:34
